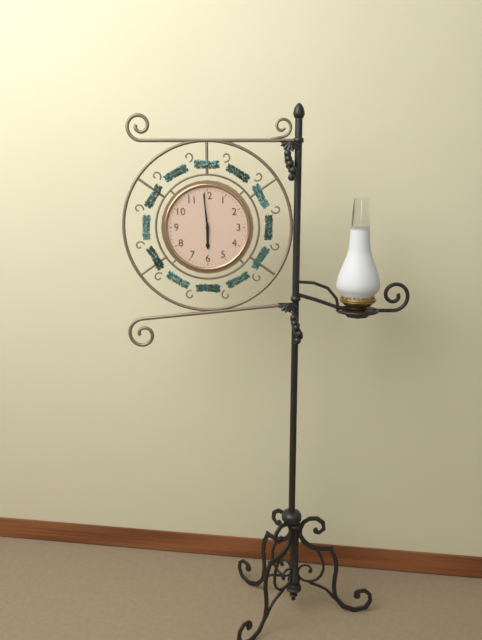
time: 5:59
